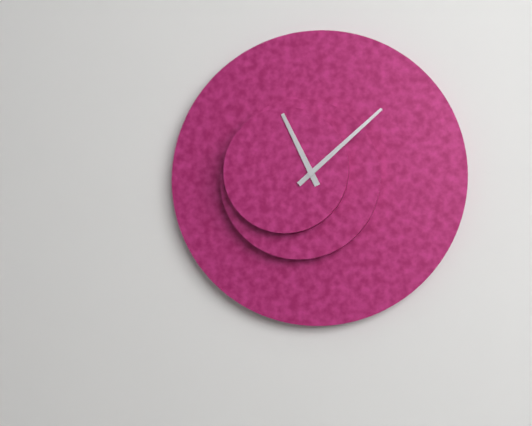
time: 11:08
